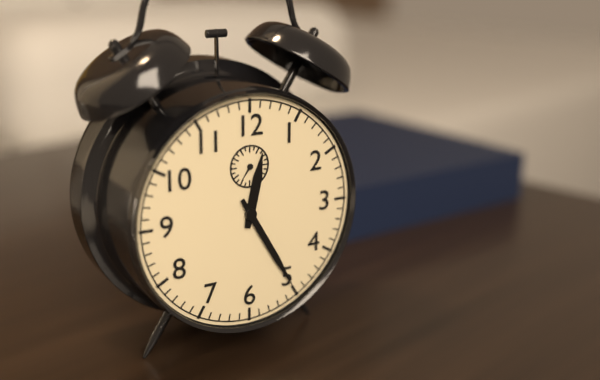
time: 12:25
